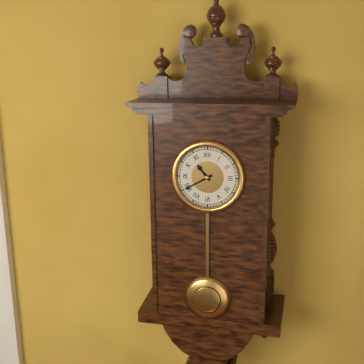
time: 10:40
